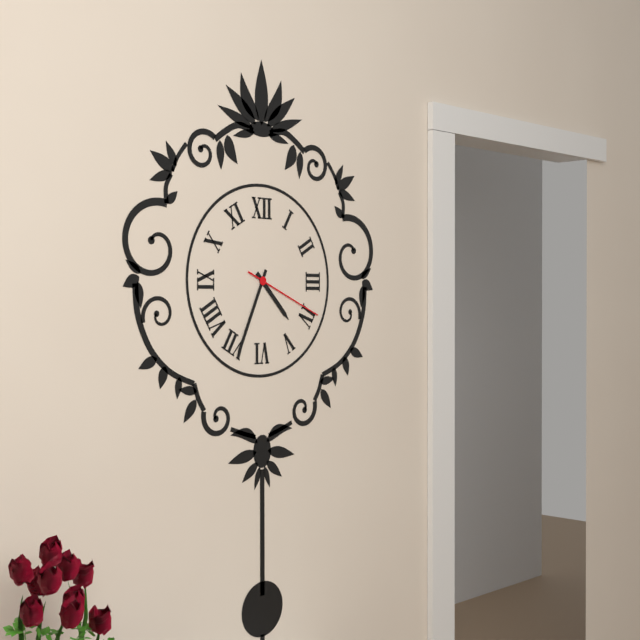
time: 4:34:19
